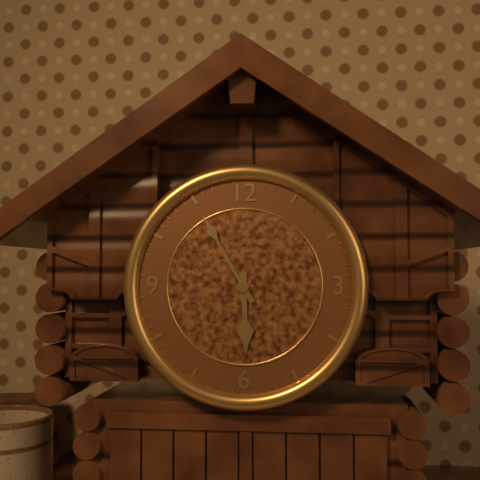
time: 5:55
